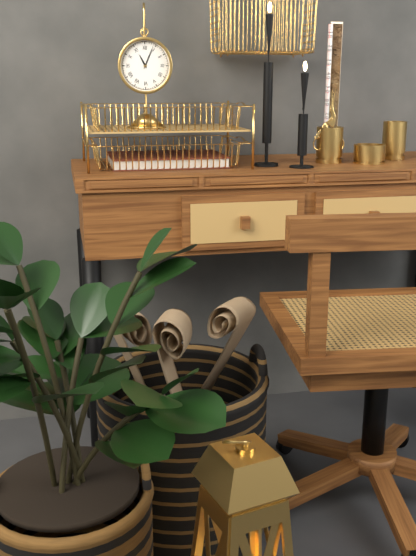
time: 11:04
